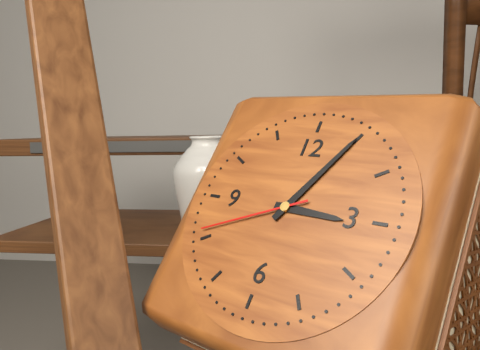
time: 3:05:41
